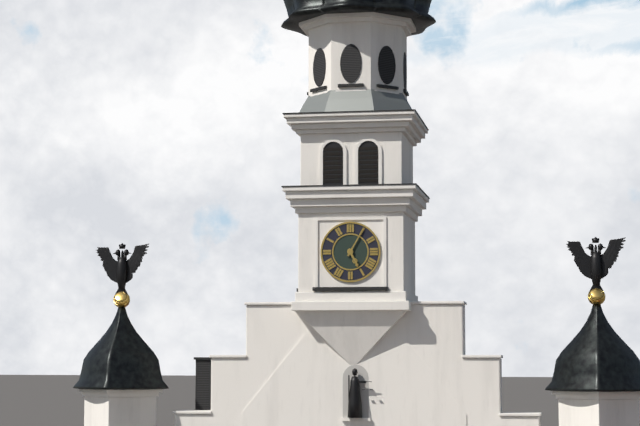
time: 5:05
